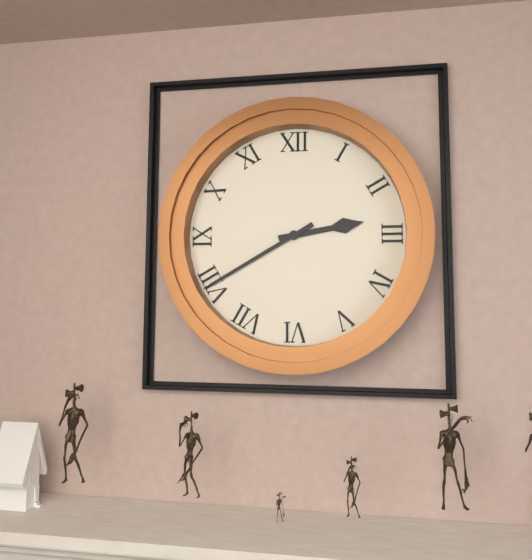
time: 2:40
